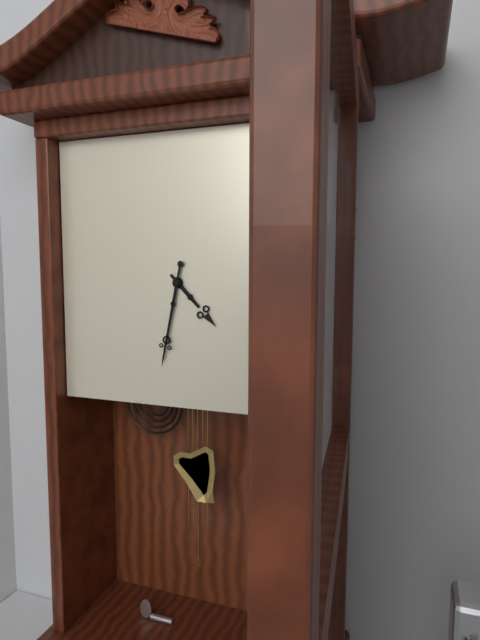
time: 4:32
